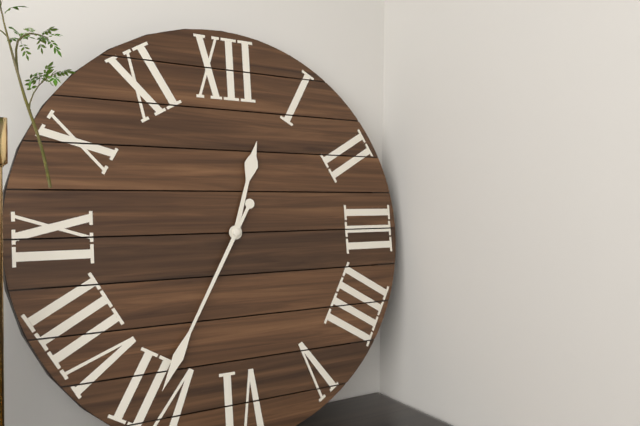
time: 12:35
